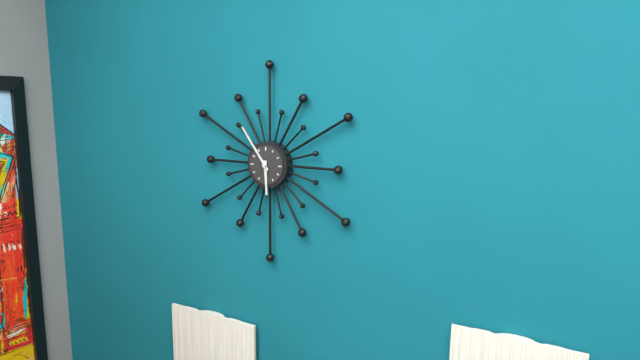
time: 5:54
